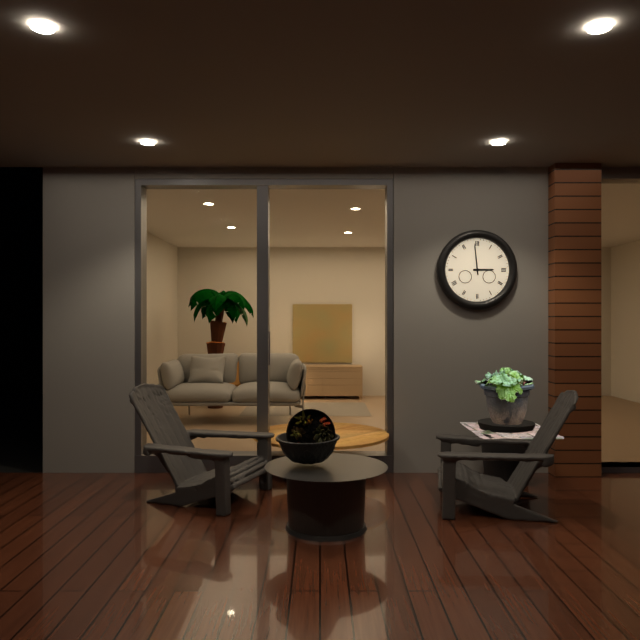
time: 2:59
